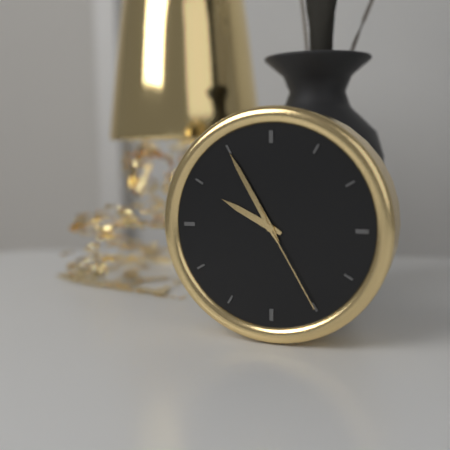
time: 9:55:25
